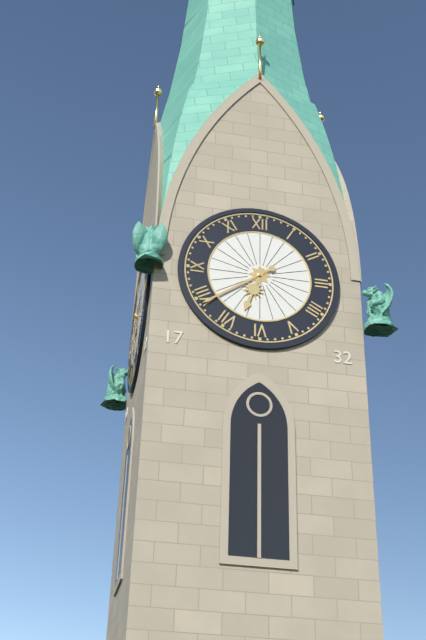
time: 6:39
